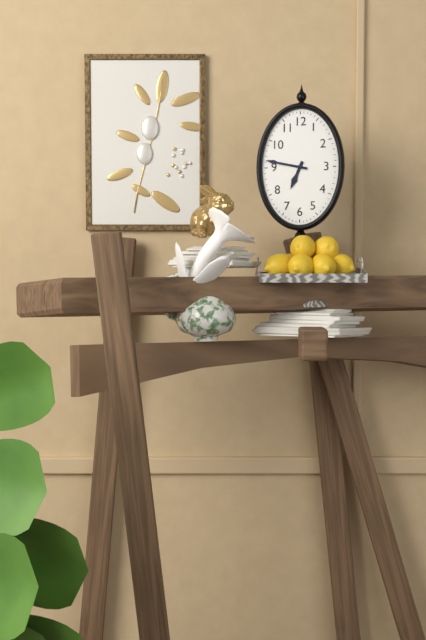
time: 6:47
